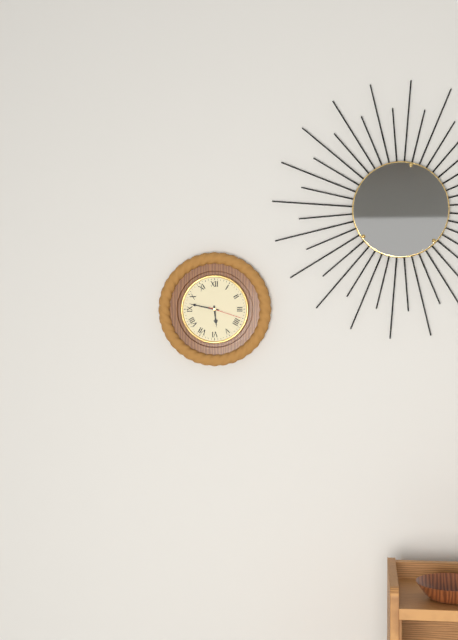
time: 5:47
